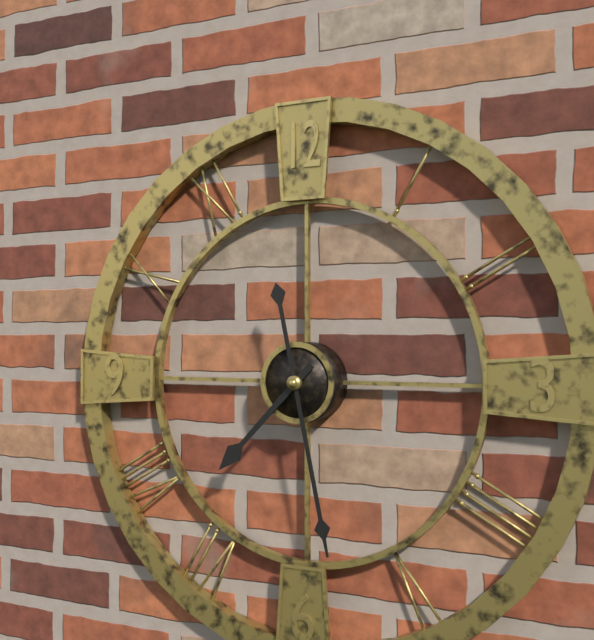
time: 7:28
